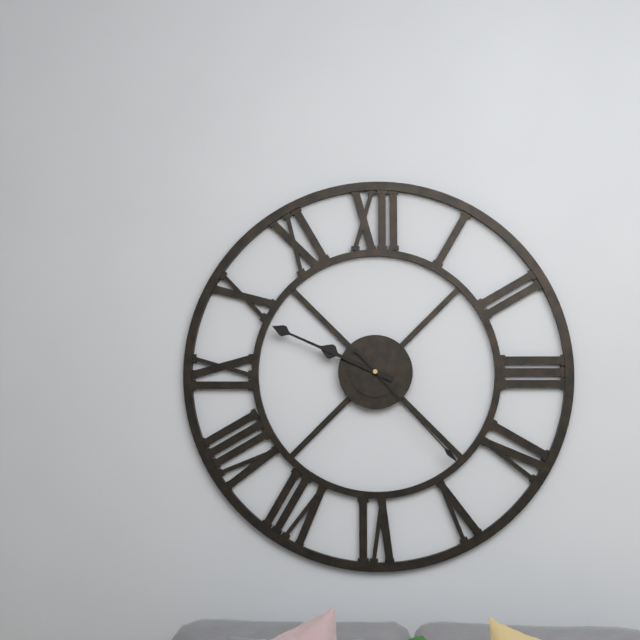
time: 9:49:23
